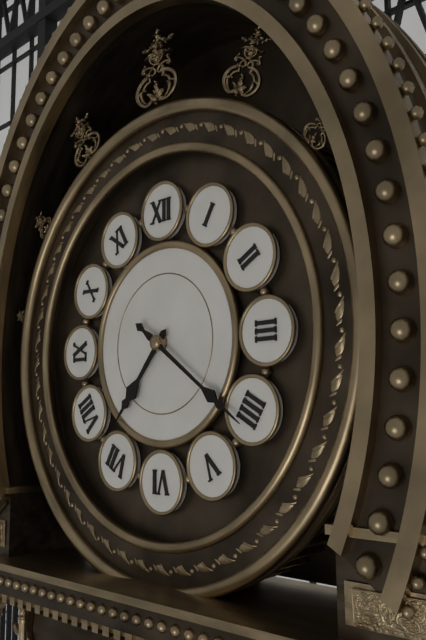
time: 7:21
